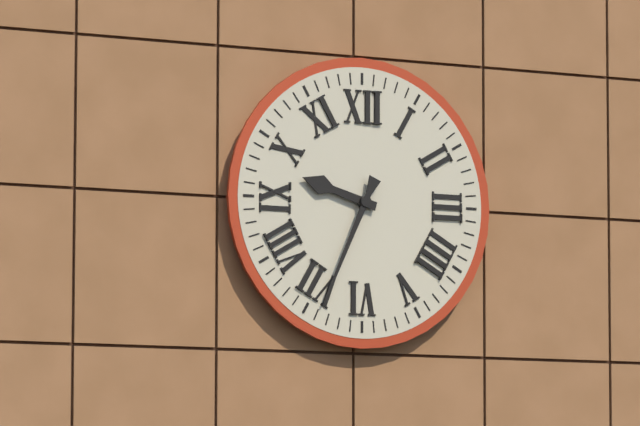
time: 9:34
